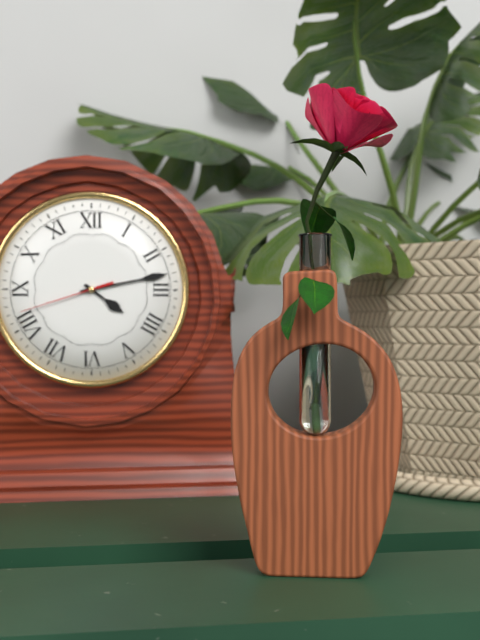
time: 4:13:42
